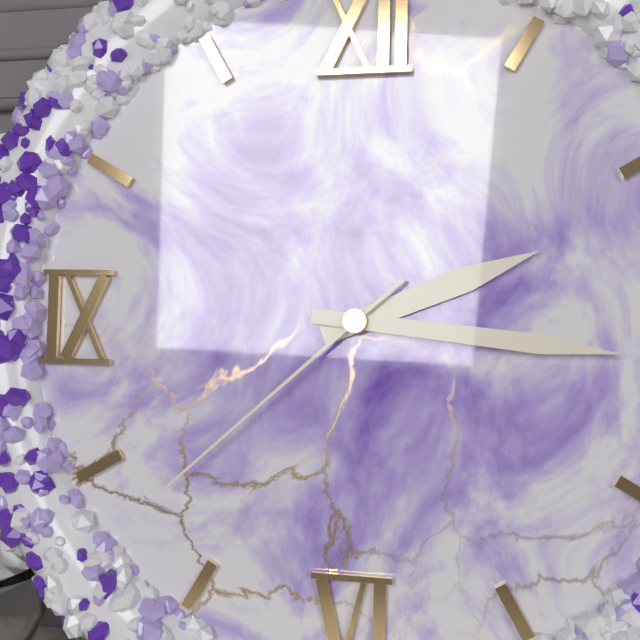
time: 2:16:38
